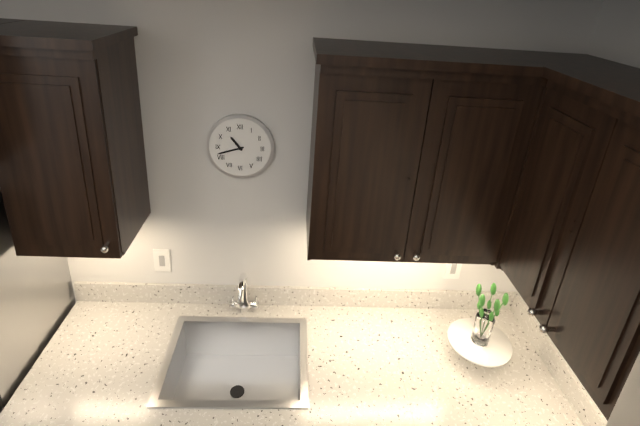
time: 10:42
